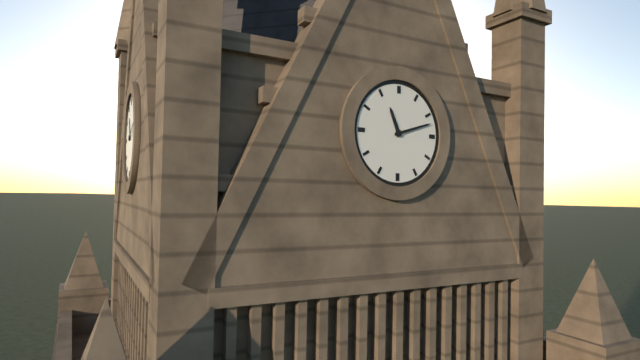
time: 11:12
